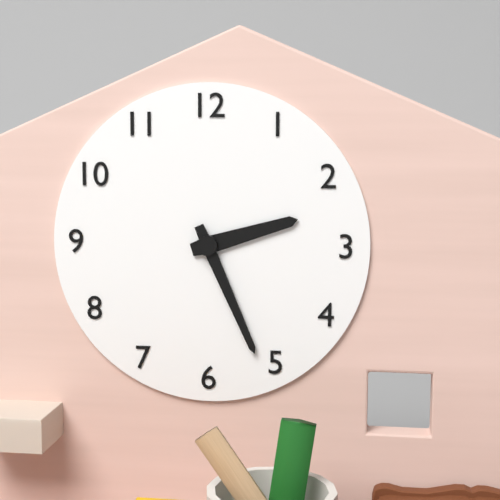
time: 2:26
